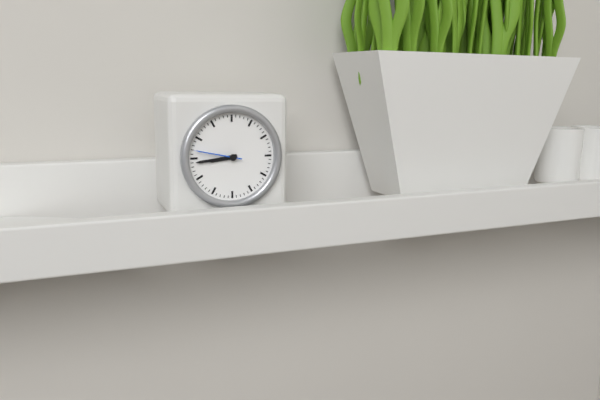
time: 8:44
